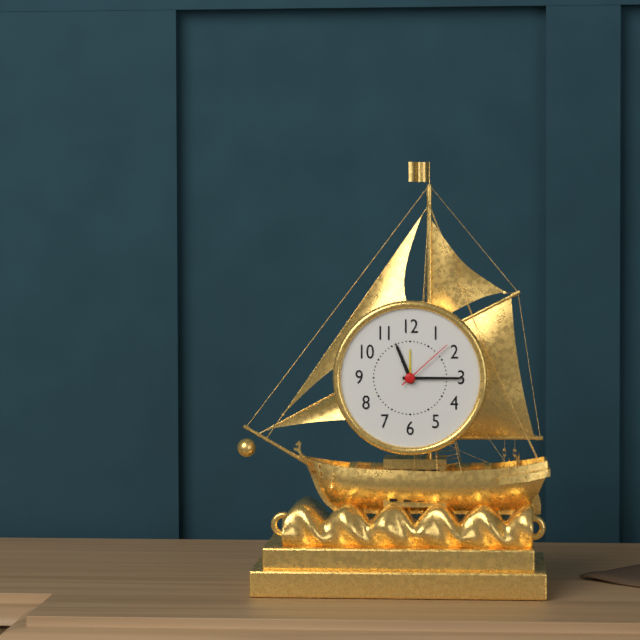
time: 11:15:08
